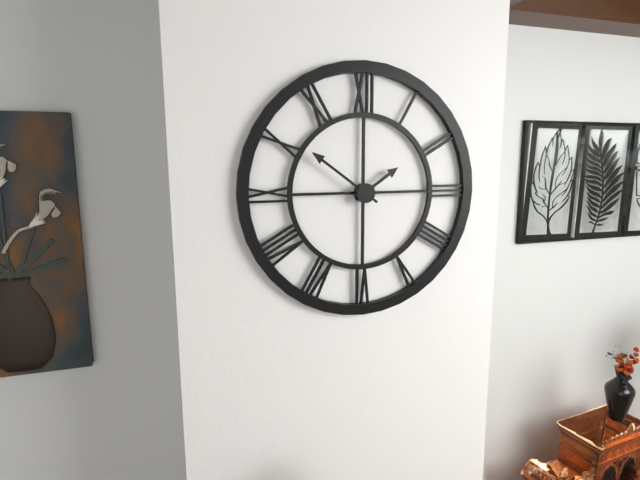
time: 1:51
